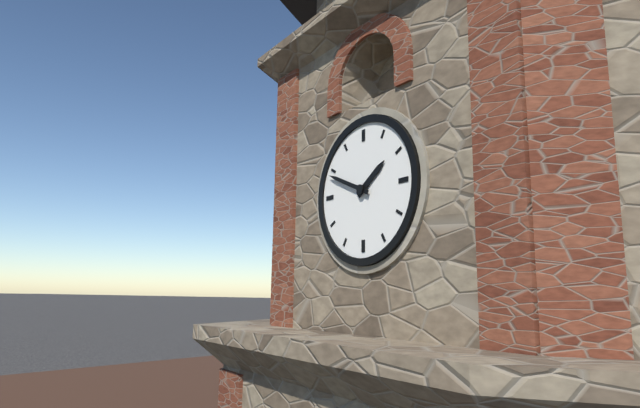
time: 1:49
